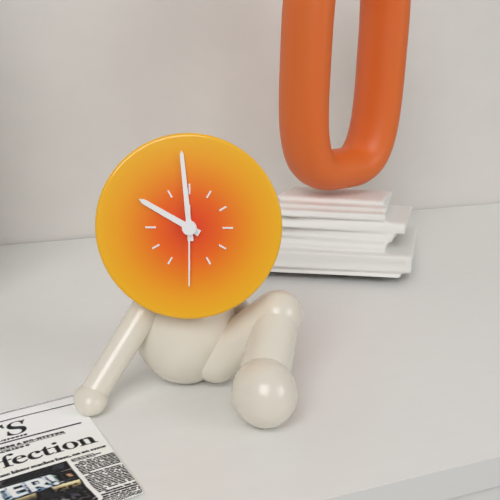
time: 9:59:30
